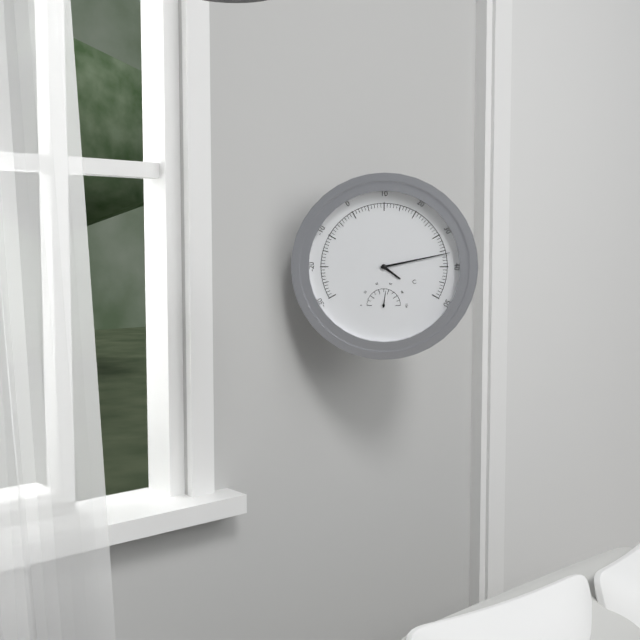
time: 4:13
